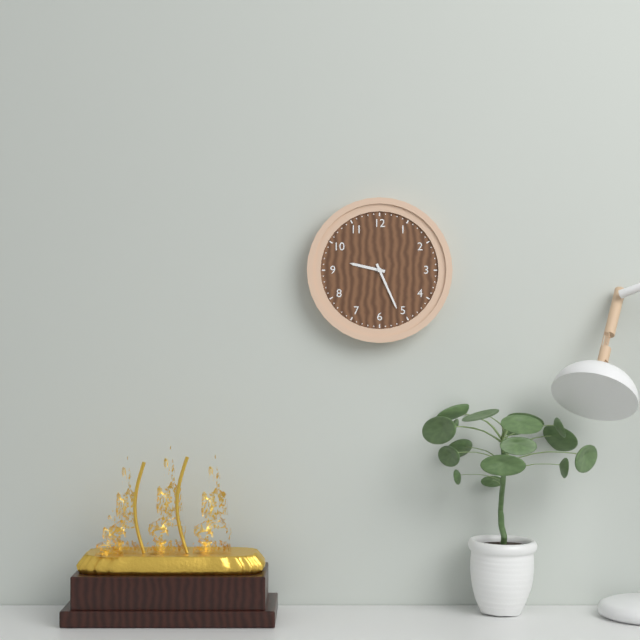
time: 9:26
